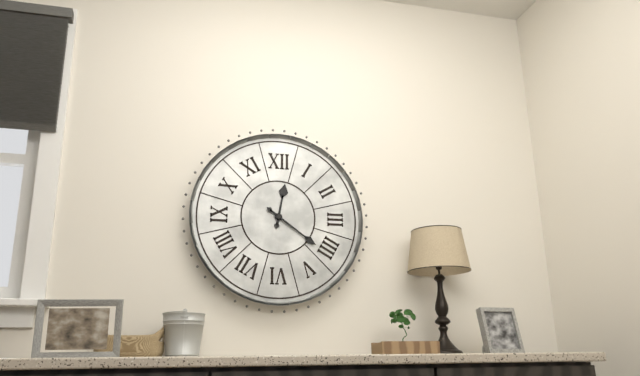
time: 12:21
